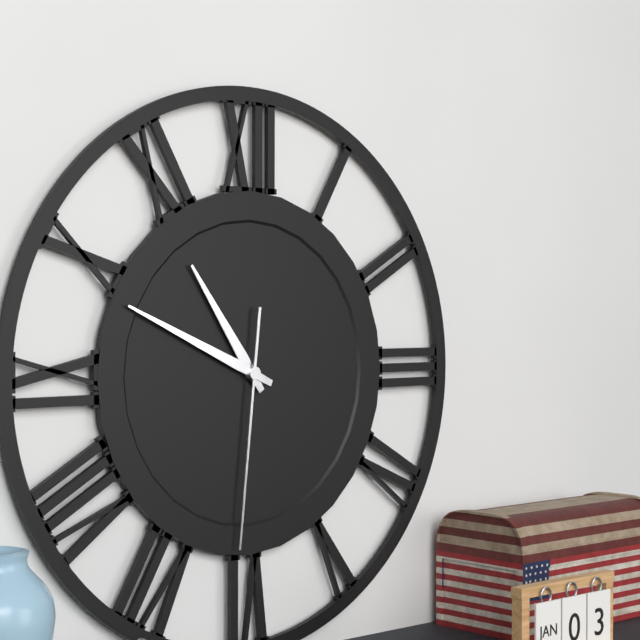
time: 10:49:31
